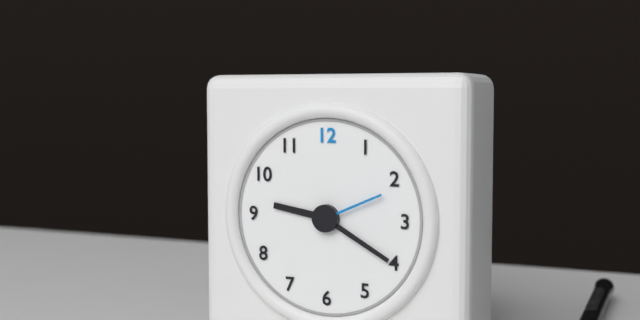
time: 9:20:11
